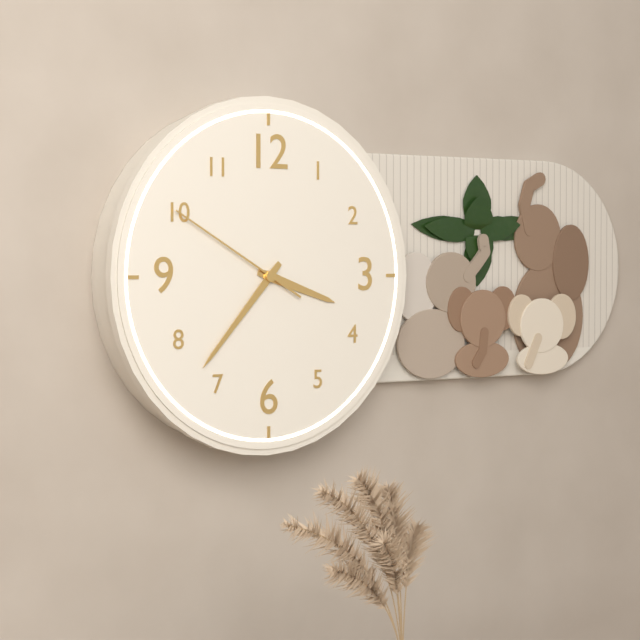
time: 3:37:50
